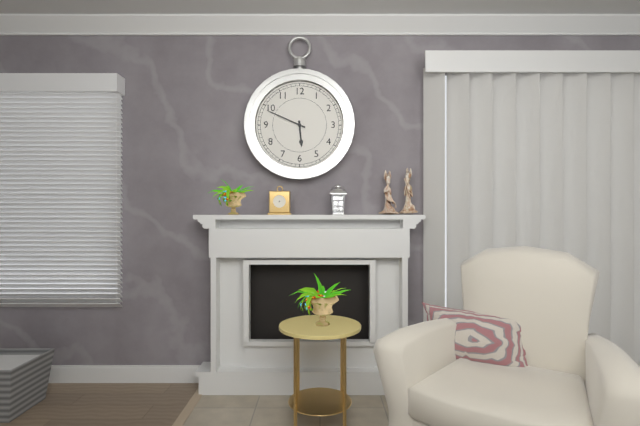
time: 5:49
